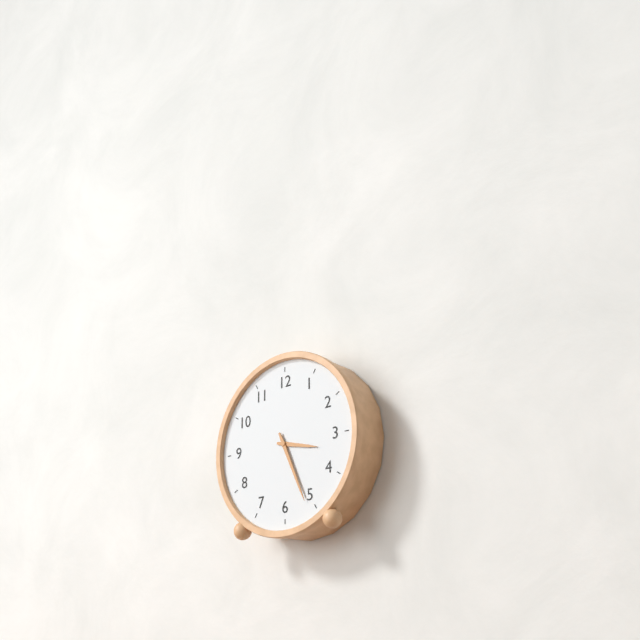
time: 3:26
